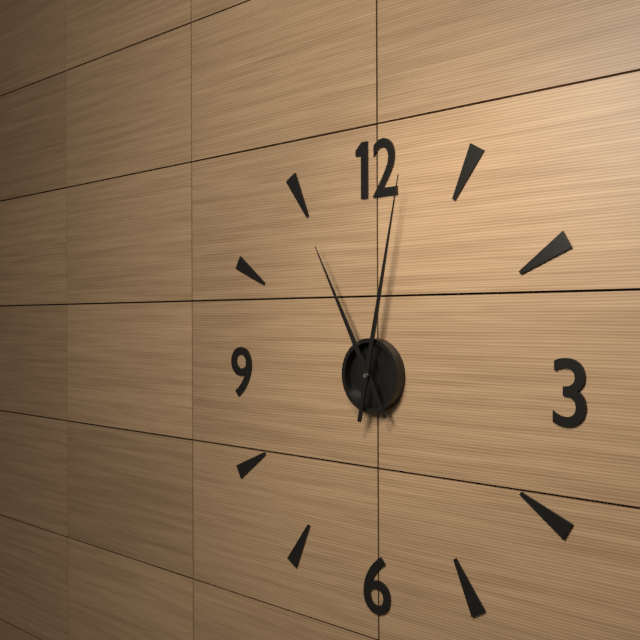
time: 11:02
